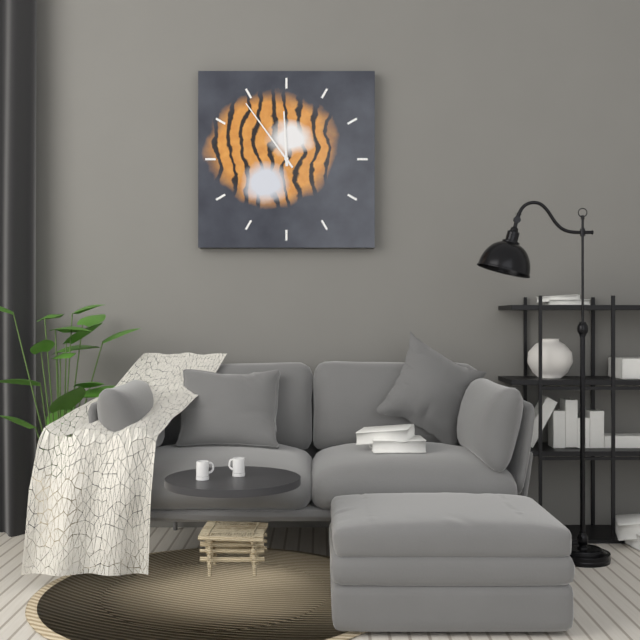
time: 11:54
